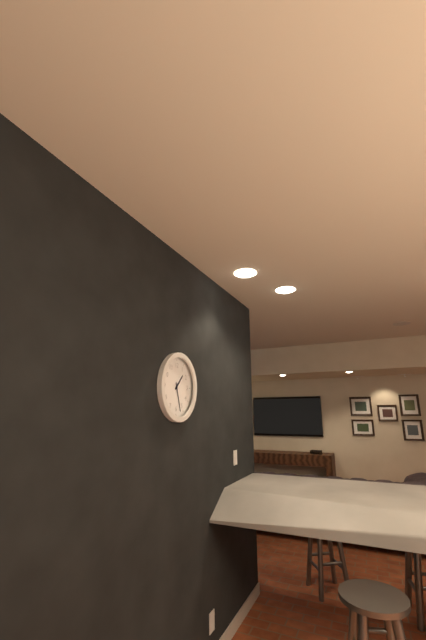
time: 1:27
